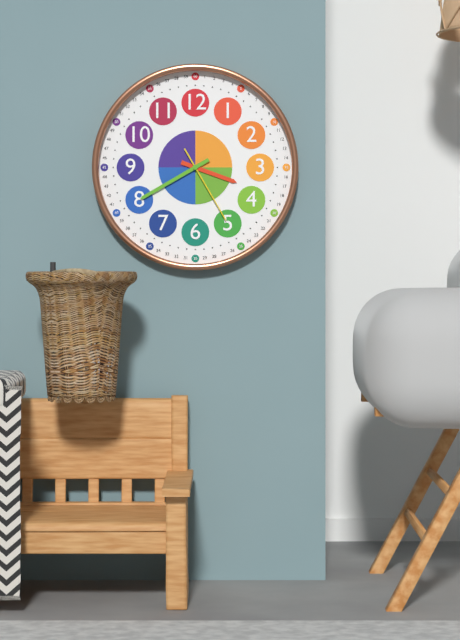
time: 3:40:25
